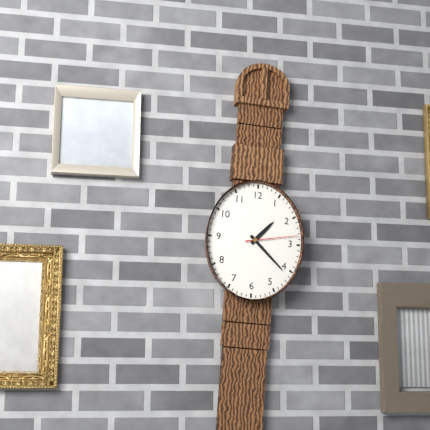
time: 1:22:13
